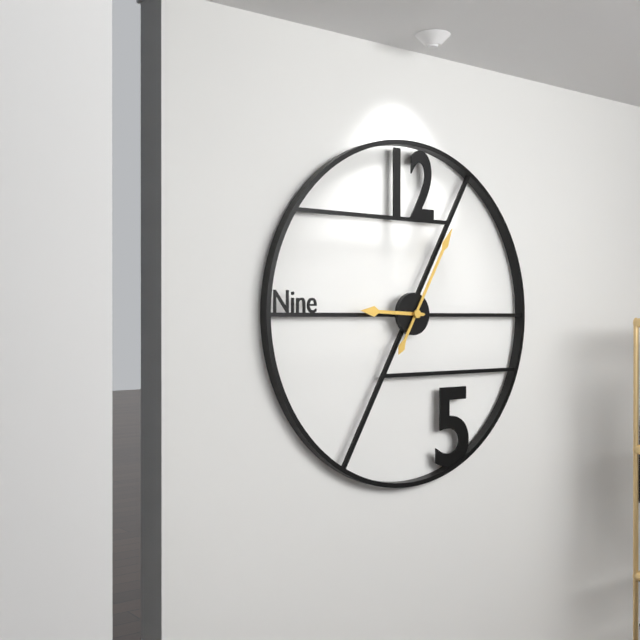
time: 9:05
